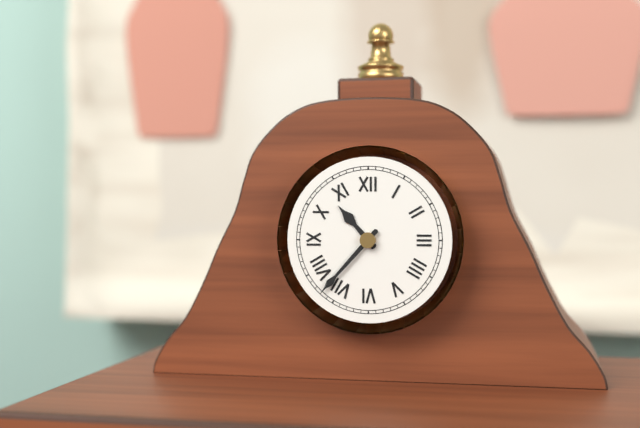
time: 10:37
